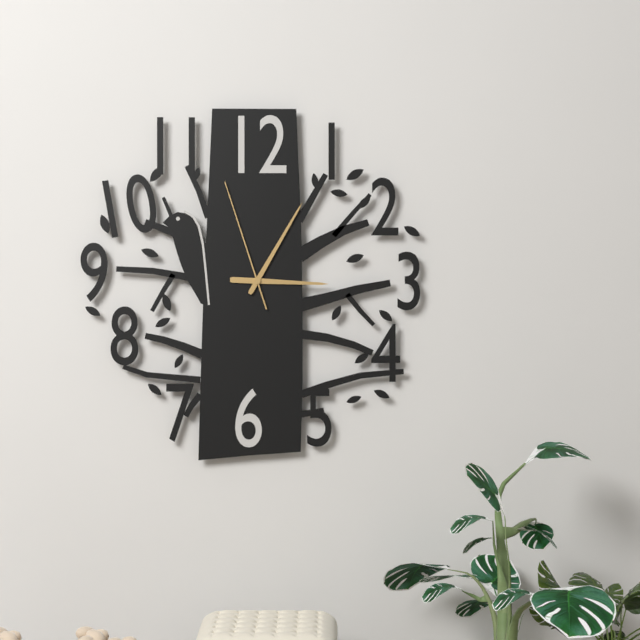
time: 3:05:57
